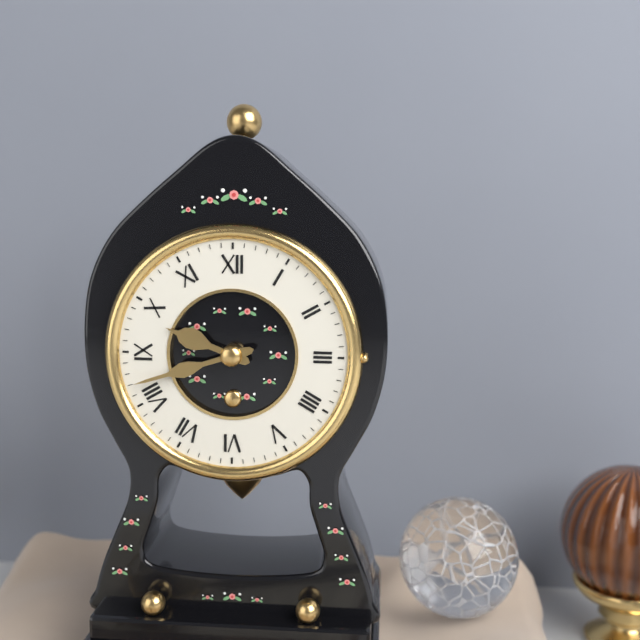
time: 9:42
